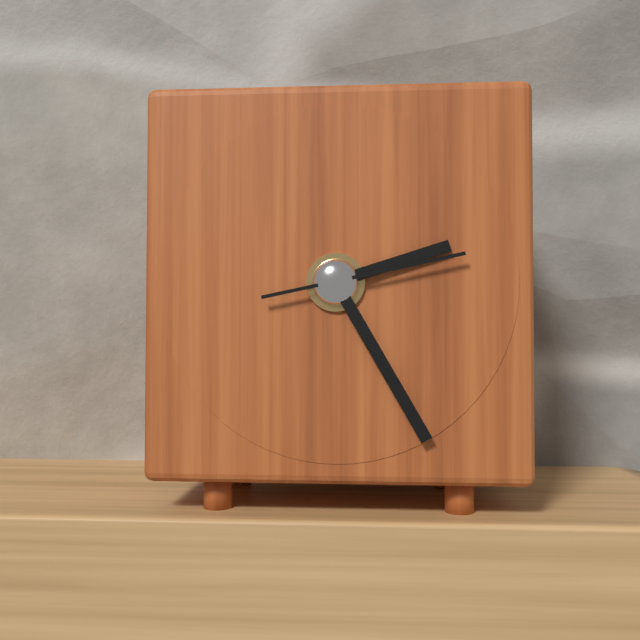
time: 2:25:13
